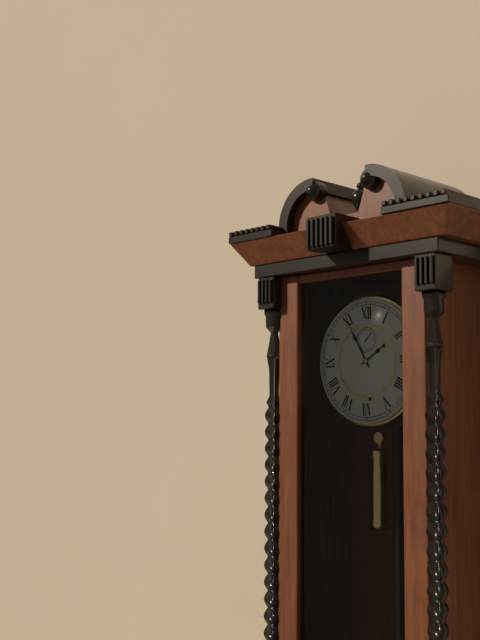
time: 1:55
